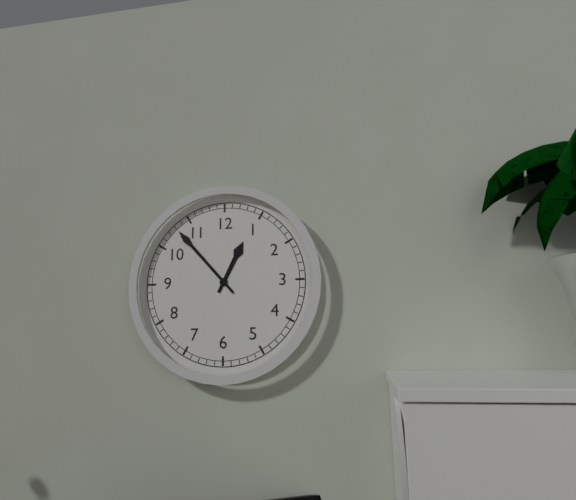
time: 12:53
